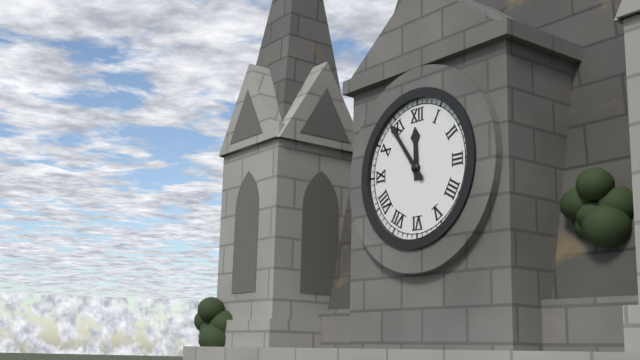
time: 11:54
